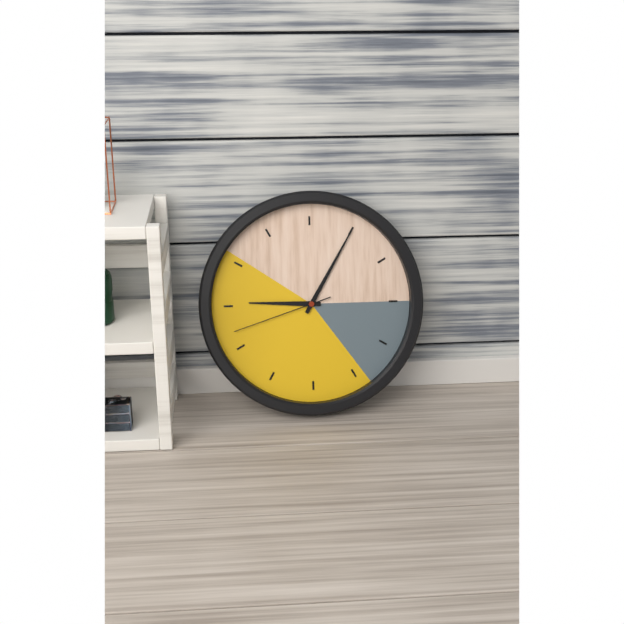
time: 9:05:42
